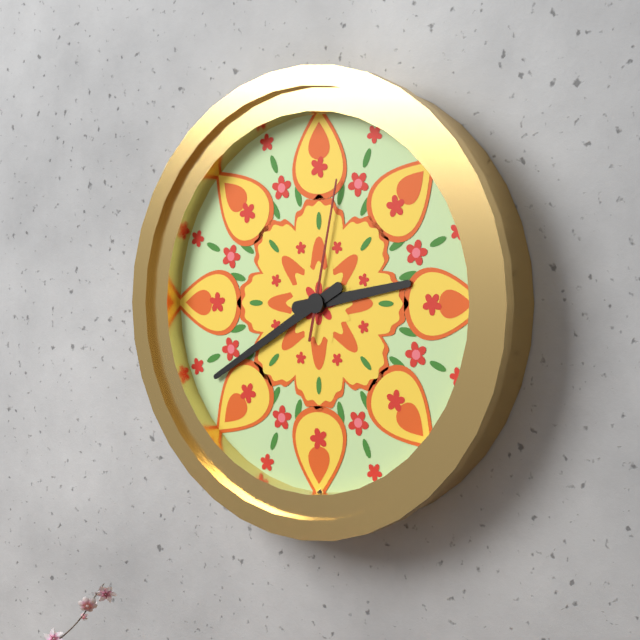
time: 2:40:02
